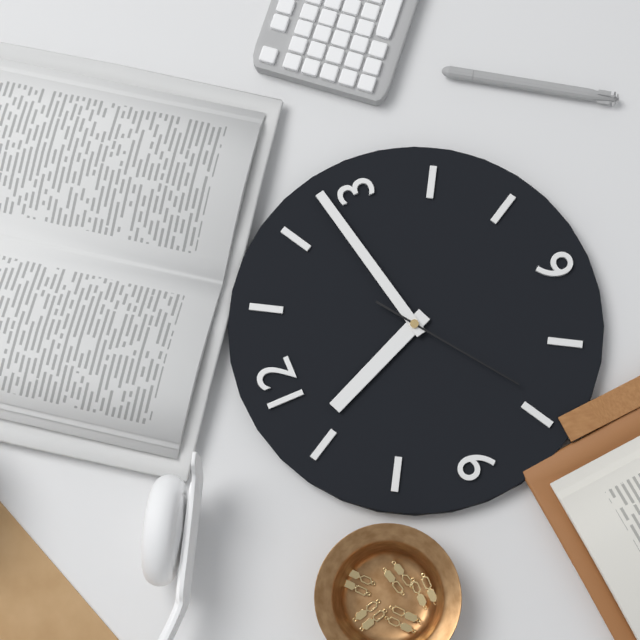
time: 11:13:39
